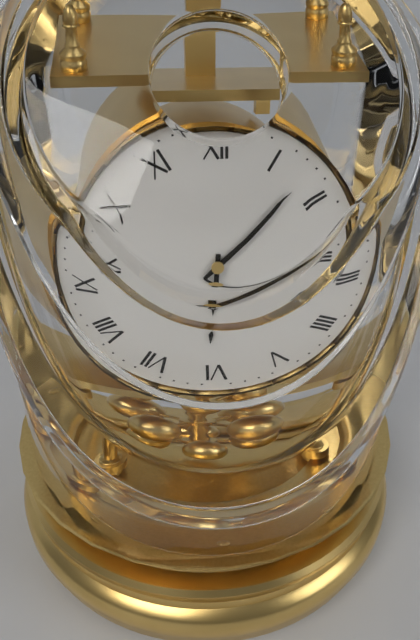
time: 6:08
